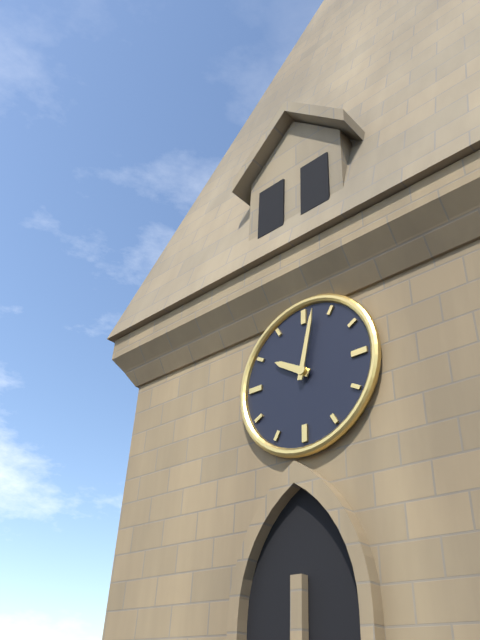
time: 10:02
